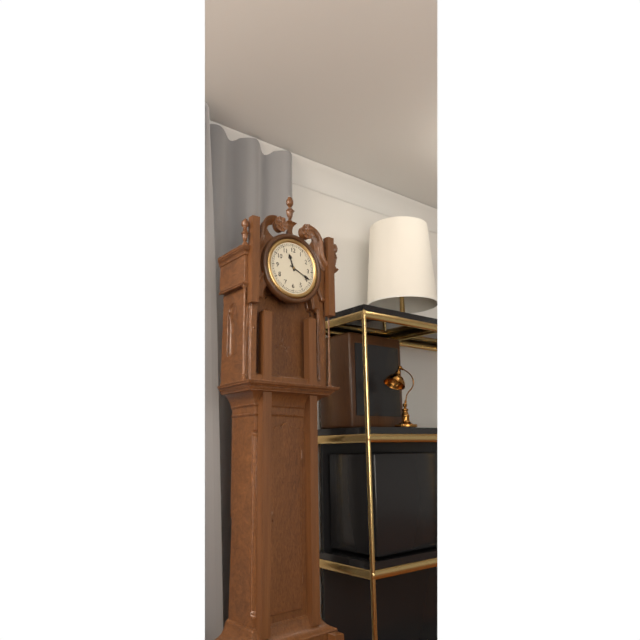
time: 11:19
